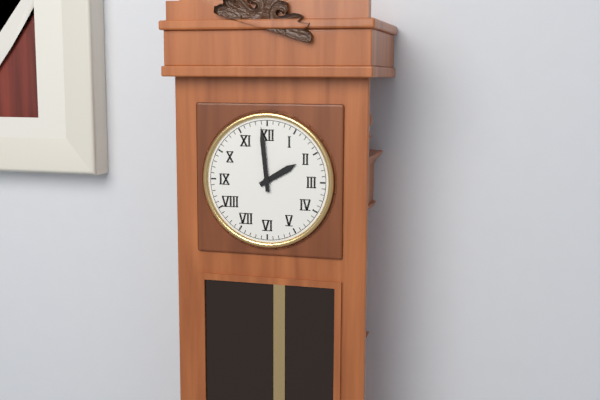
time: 1:59
